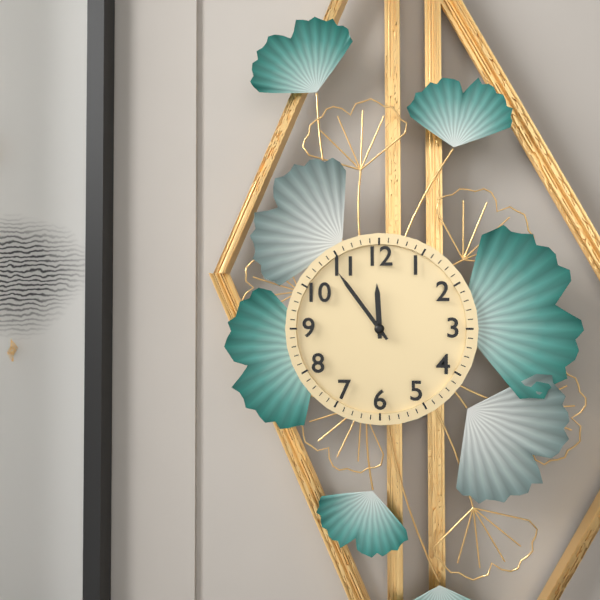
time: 11:54
